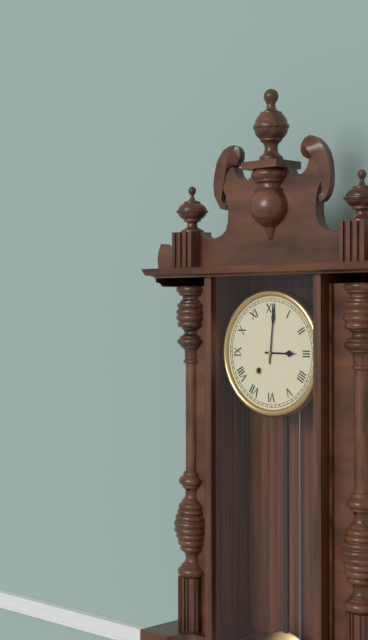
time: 3:01
